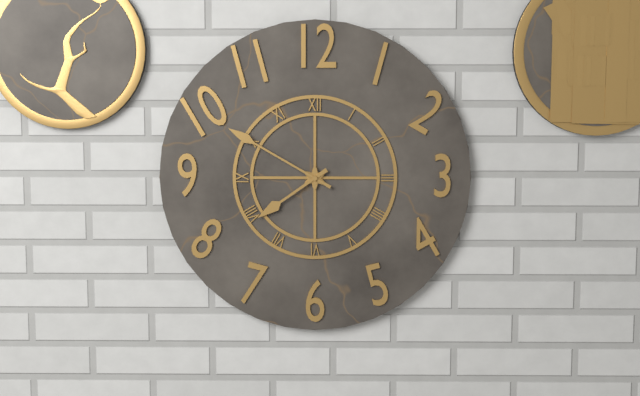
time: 7:50
